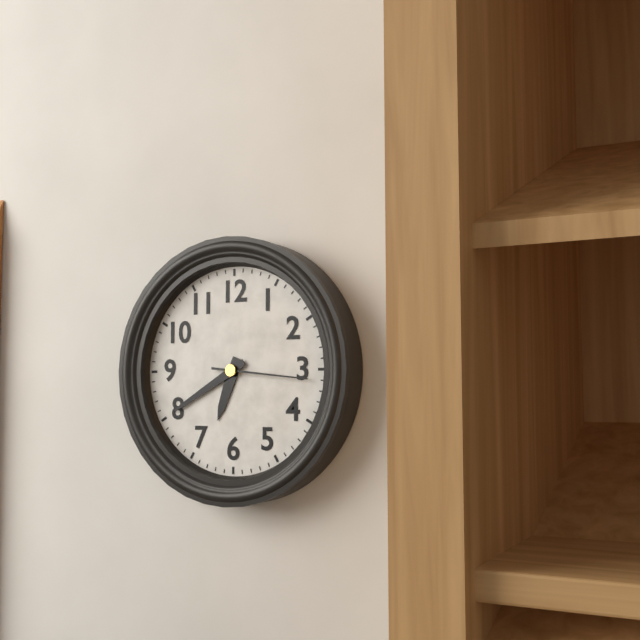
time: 6:40:16
